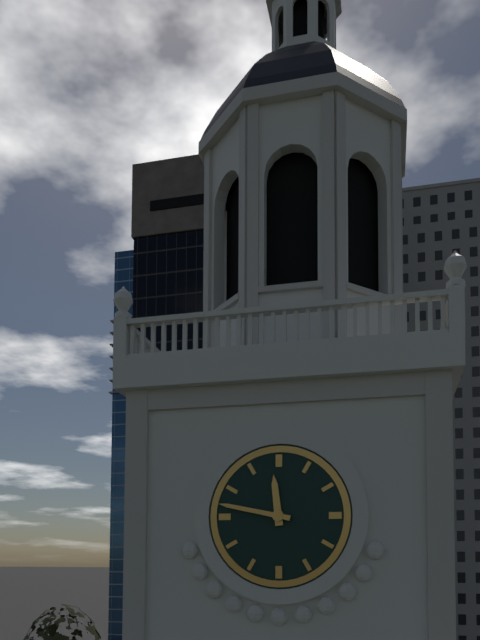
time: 11:47
